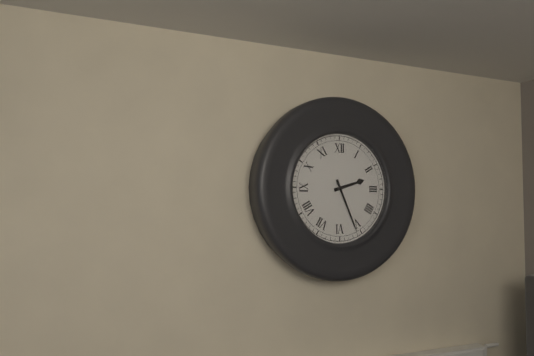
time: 2:26
